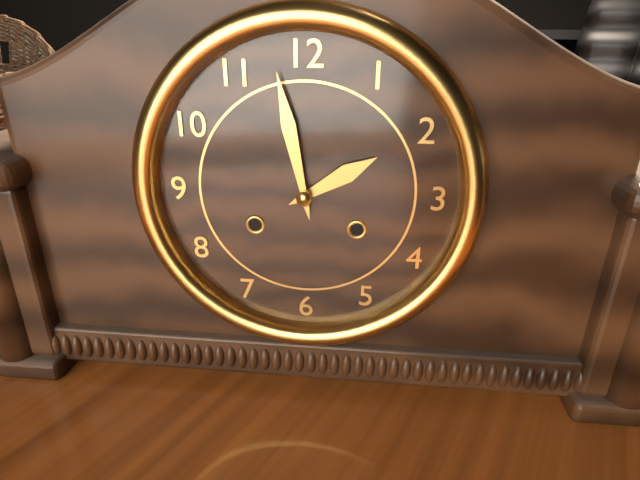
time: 1:58
